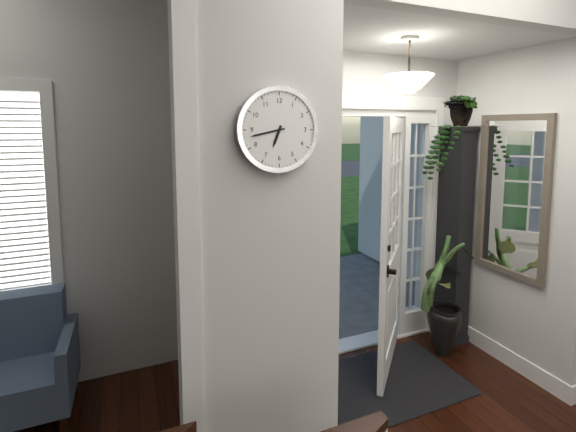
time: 6:43
